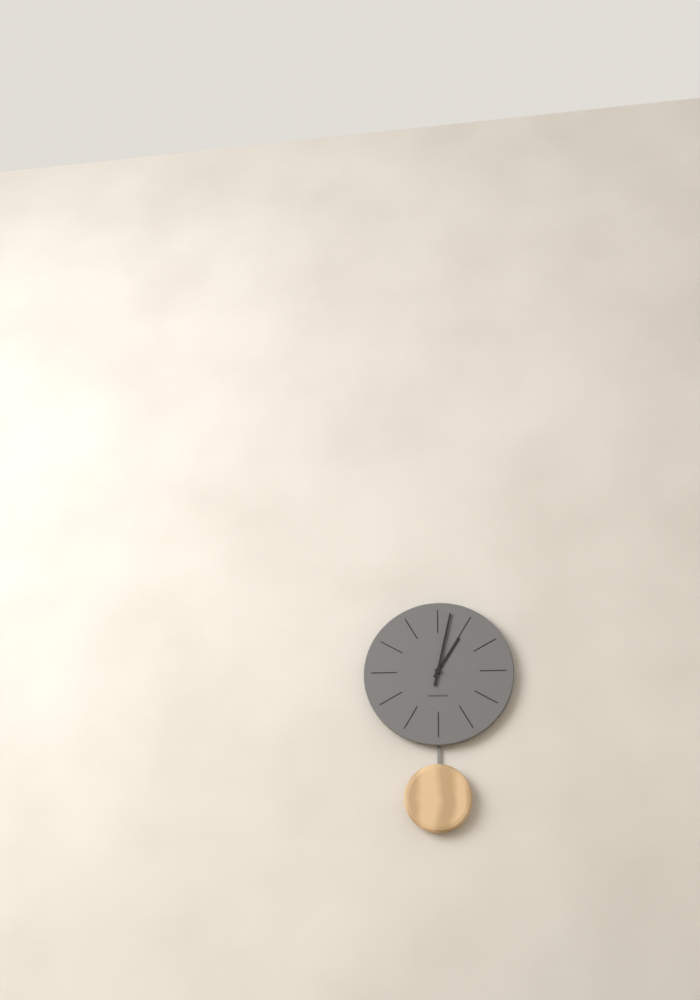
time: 1:02
